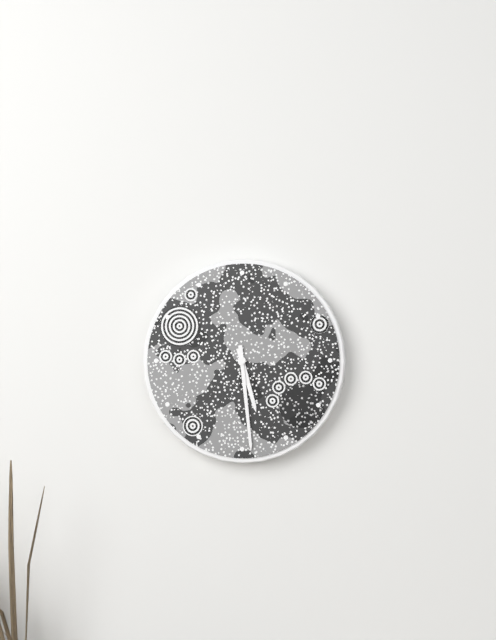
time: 5:29
